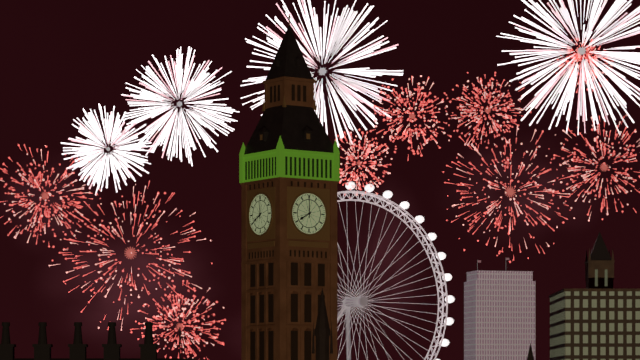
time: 8:00
